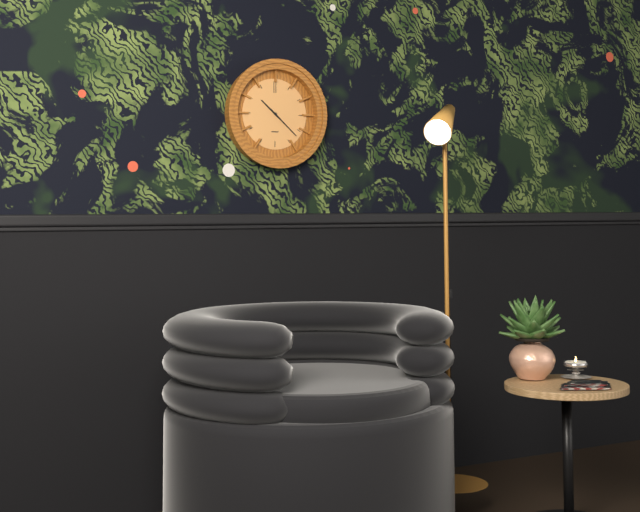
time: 10:22
